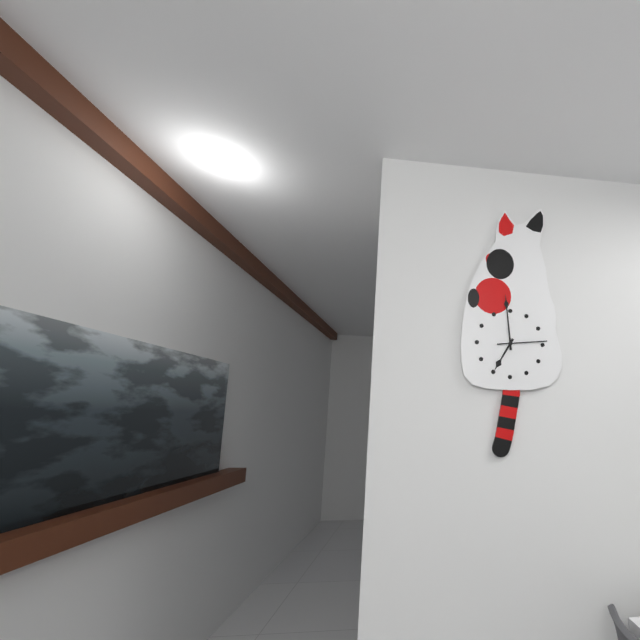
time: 6:59
